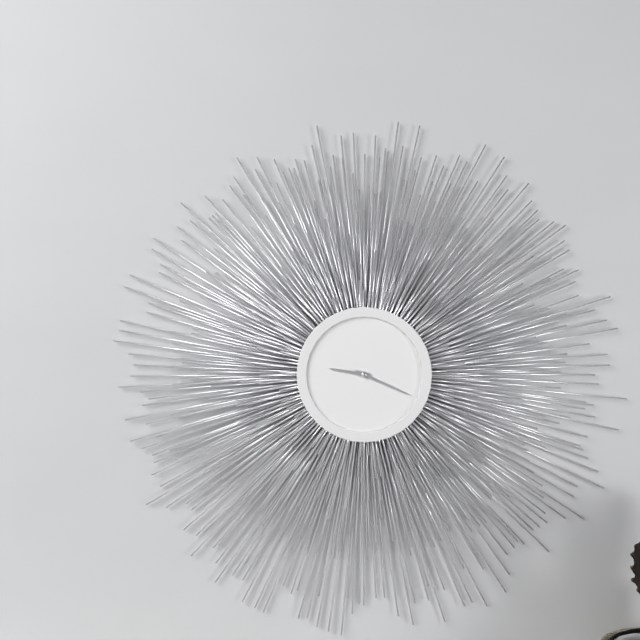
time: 9:19
